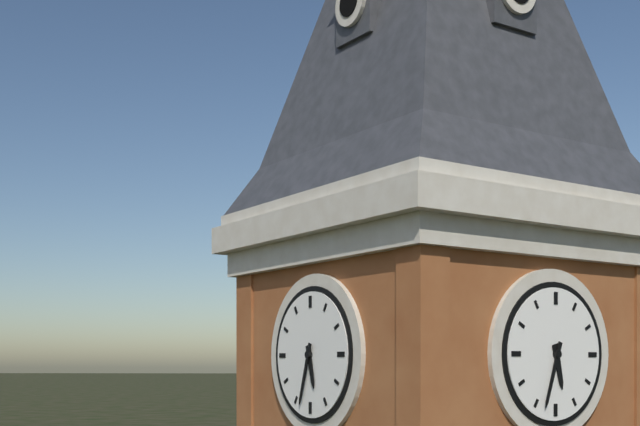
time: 5:33
